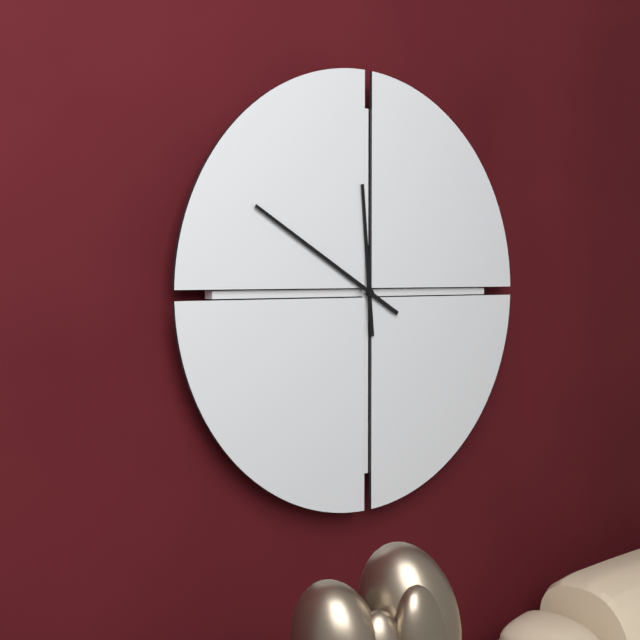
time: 11:50
